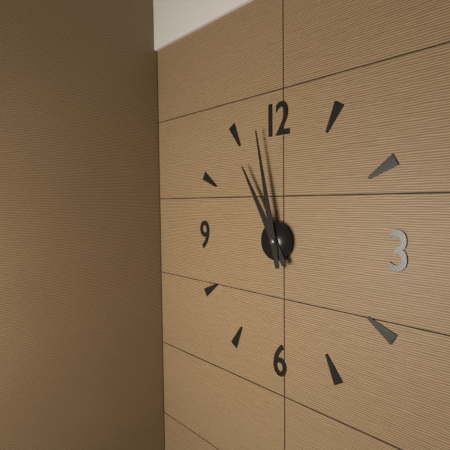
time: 10:58
